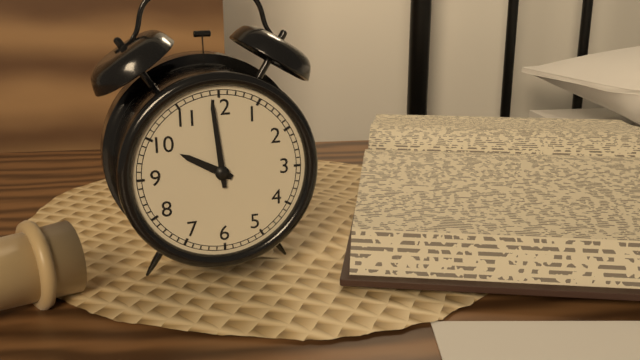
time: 9:59
